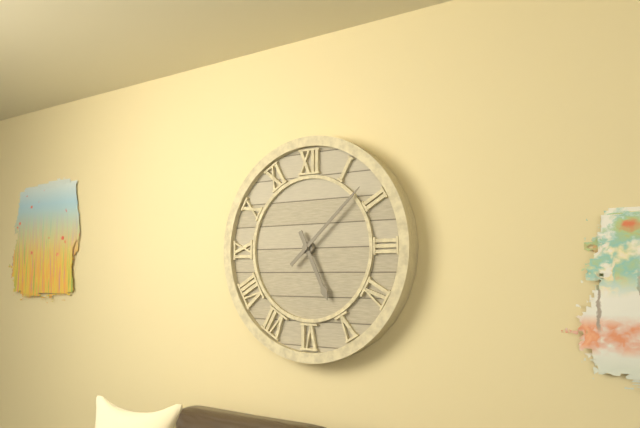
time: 5:08
